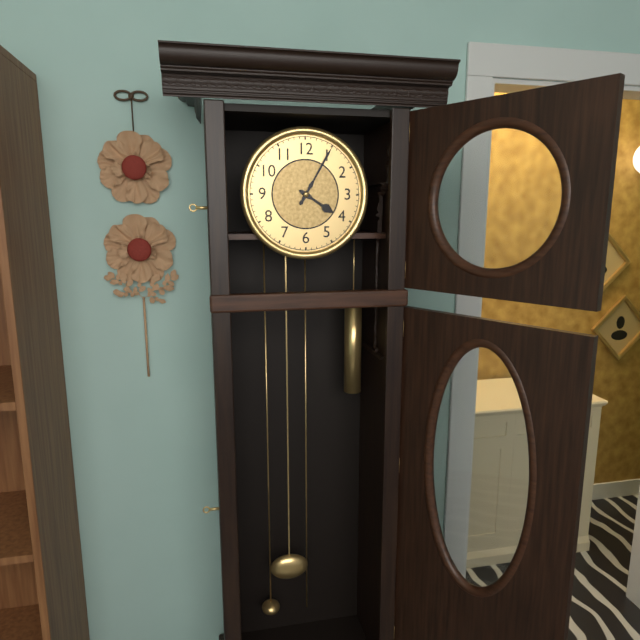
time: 4:05
